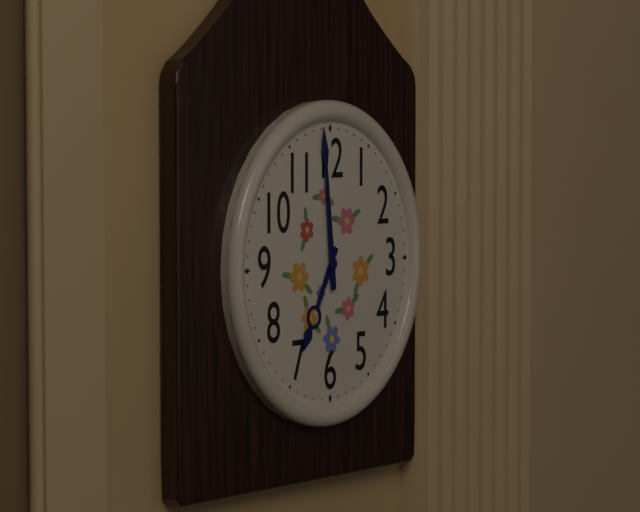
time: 6:59
